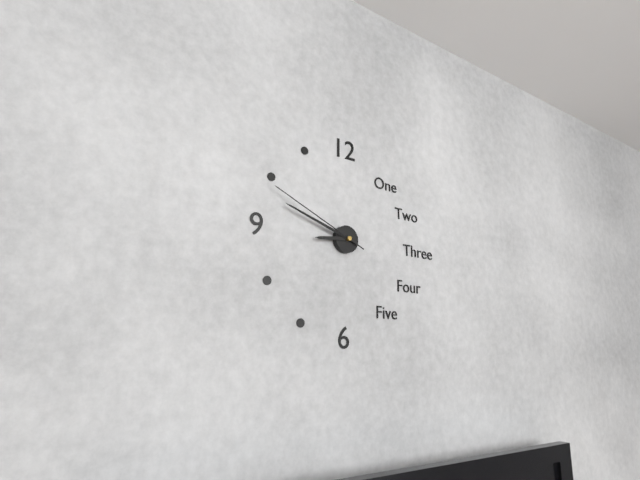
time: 8:48:49
